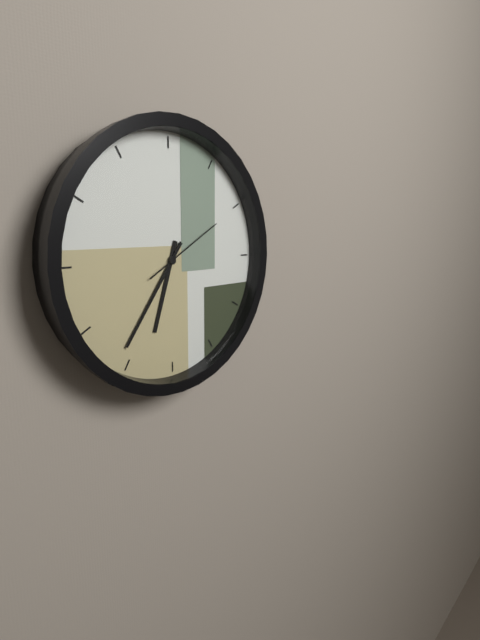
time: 6:36:10
